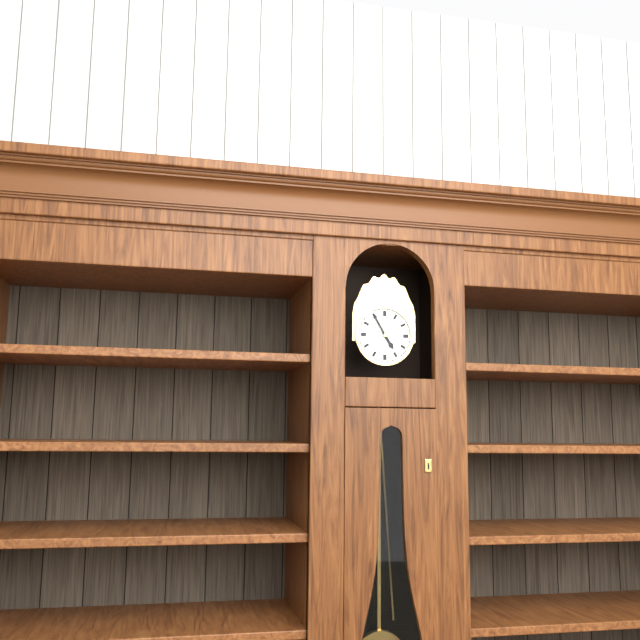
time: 4:55
